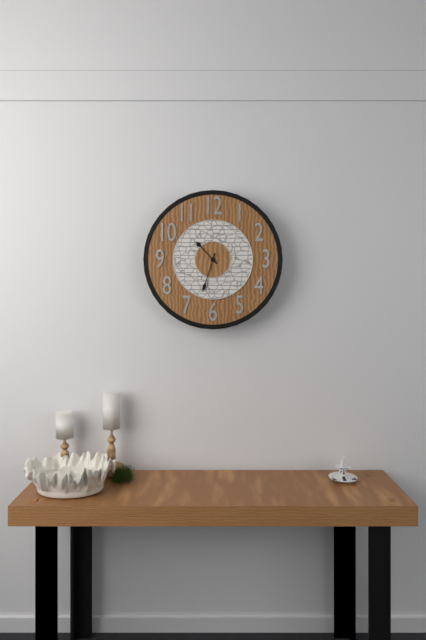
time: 10:33
